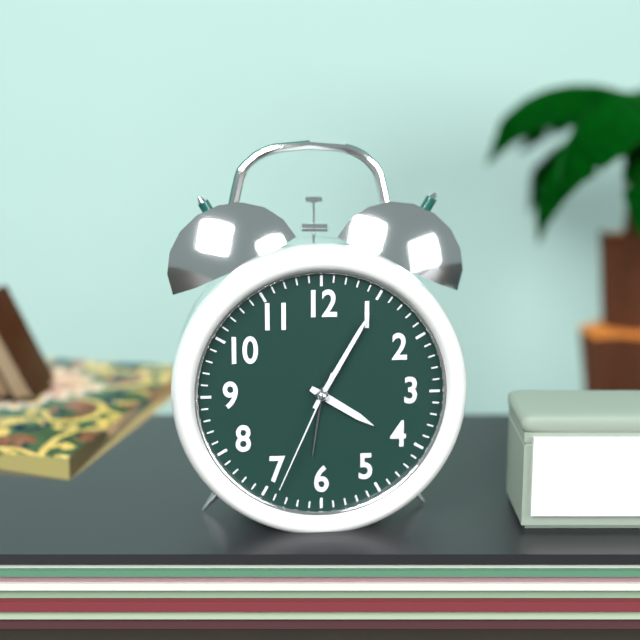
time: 4:05:34
